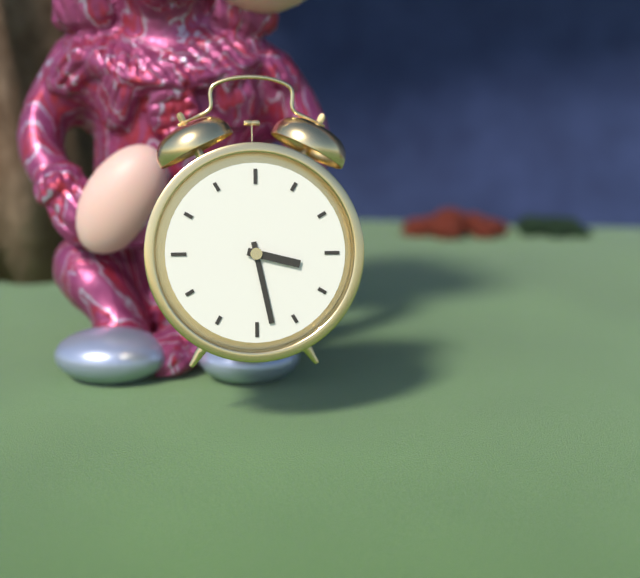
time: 3:28
